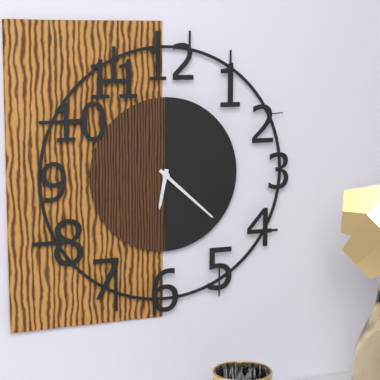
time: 6:22
